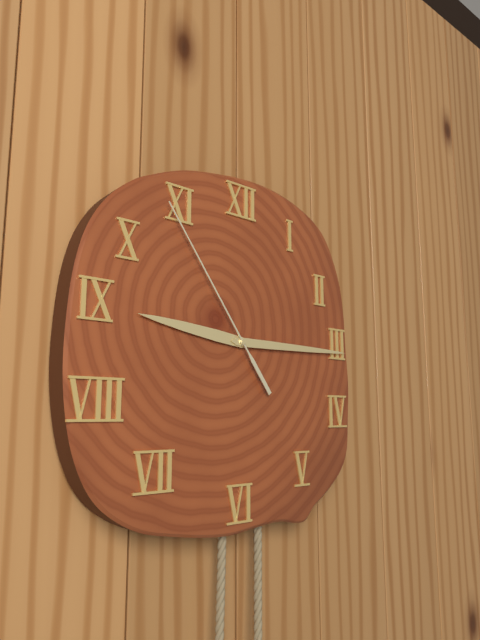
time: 9:15:54
